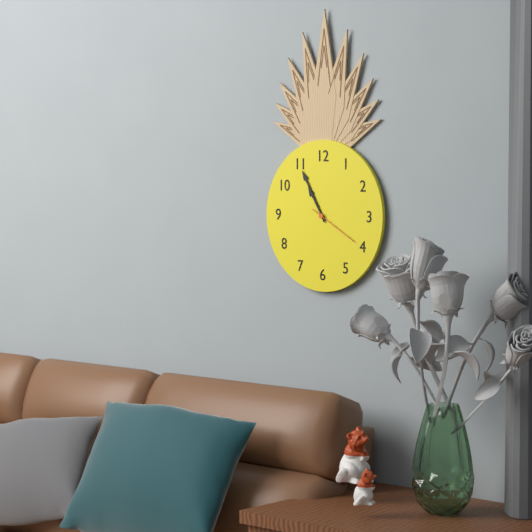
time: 10:55:20
